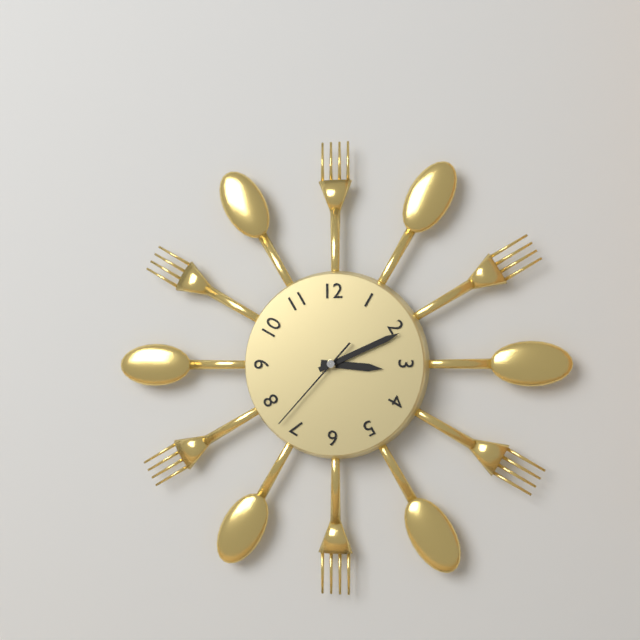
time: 3:11:37
